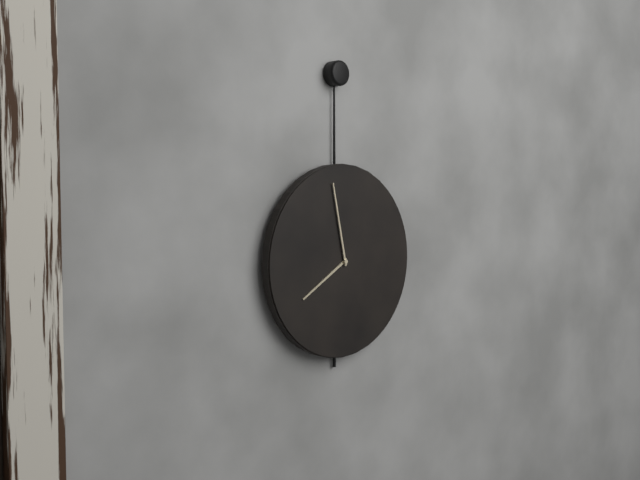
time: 7:58
